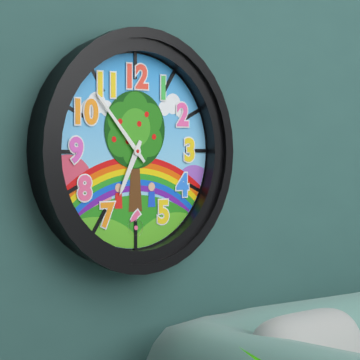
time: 6:53
